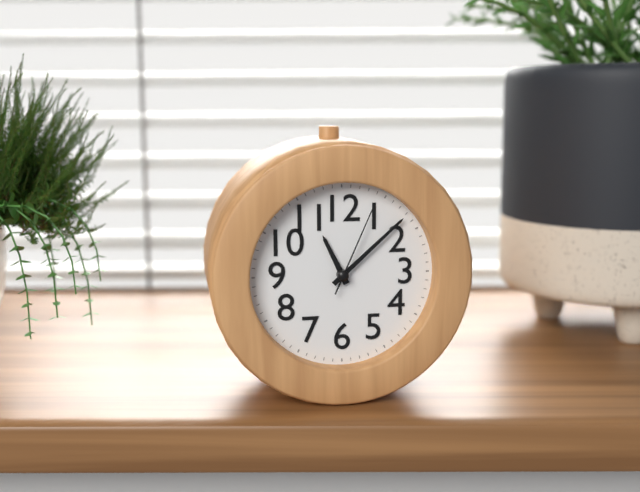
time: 11:08:04
